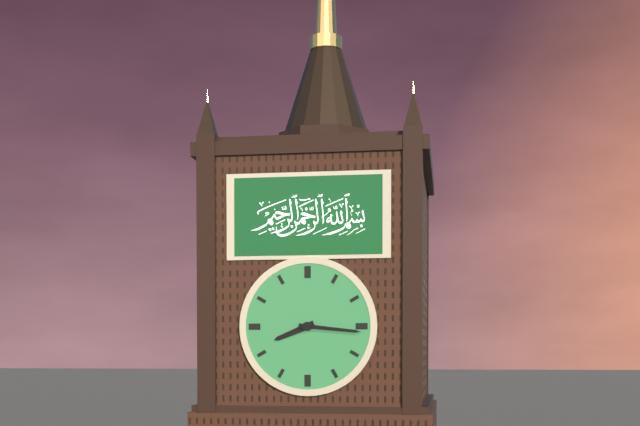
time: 8:16
